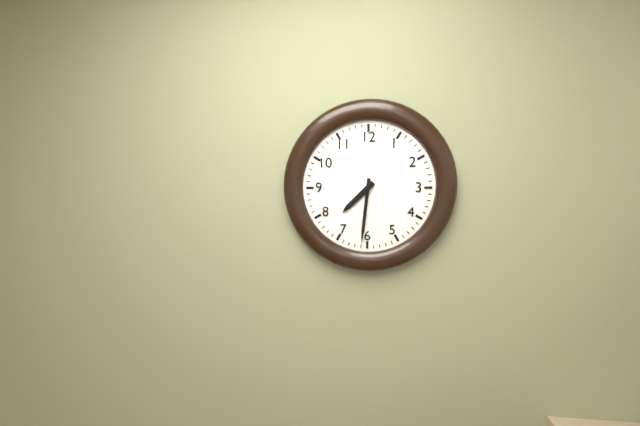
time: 7:31
